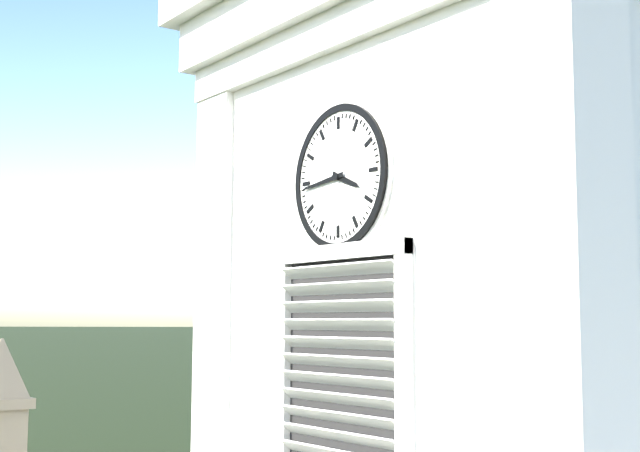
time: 3:44
